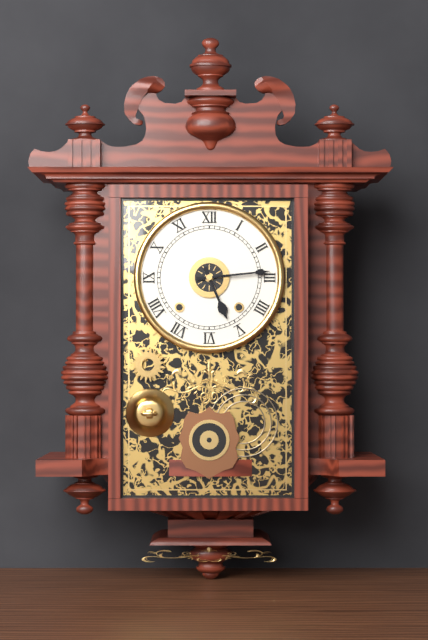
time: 5:14
